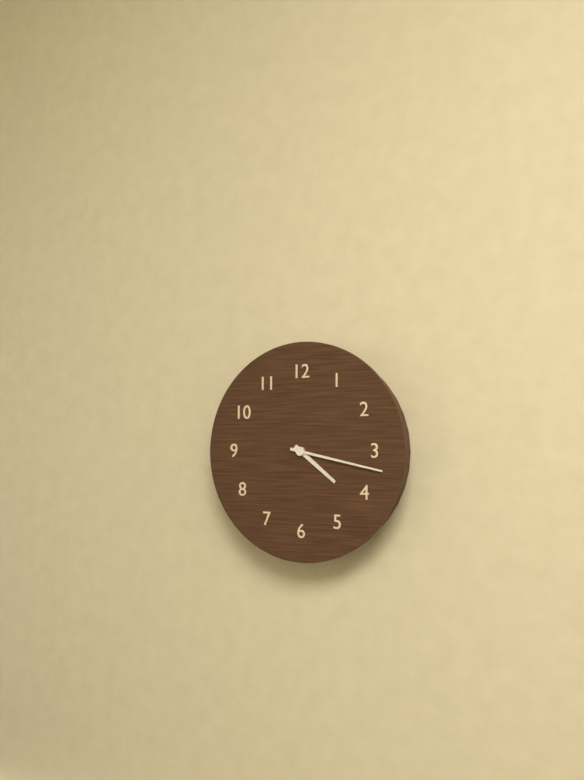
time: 4:17
